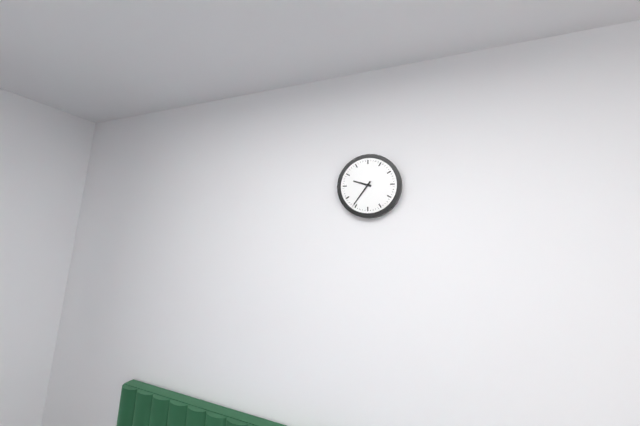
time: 9:36
